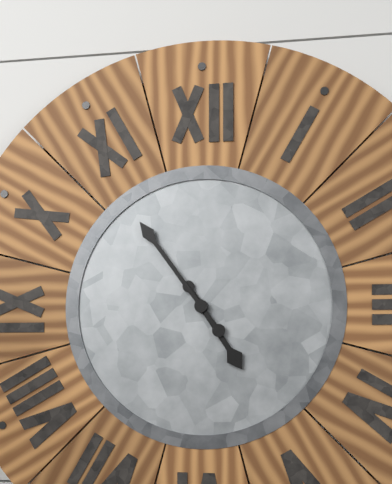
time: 4:54
